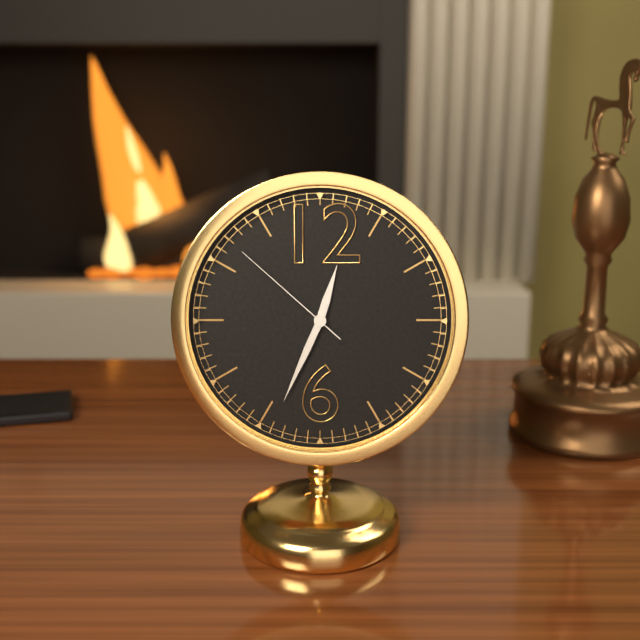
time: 12:34:52
